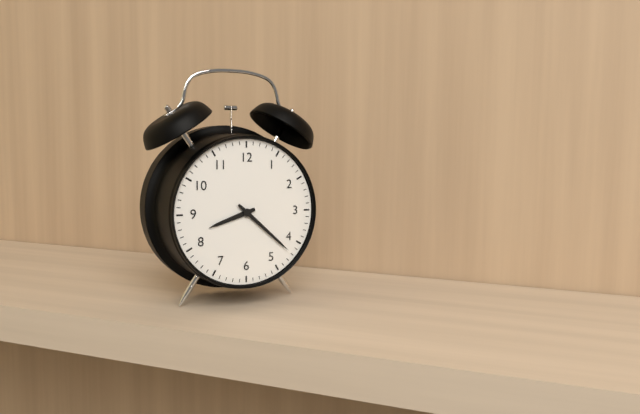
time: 8:22
